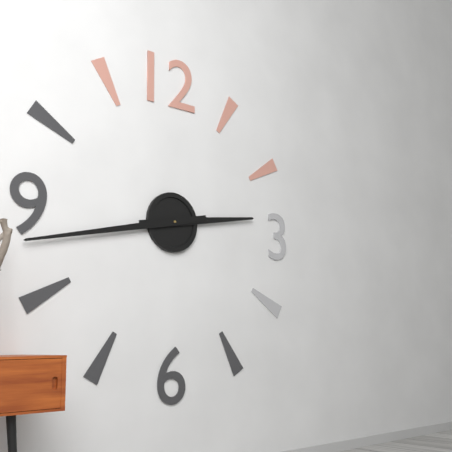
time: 2:43
